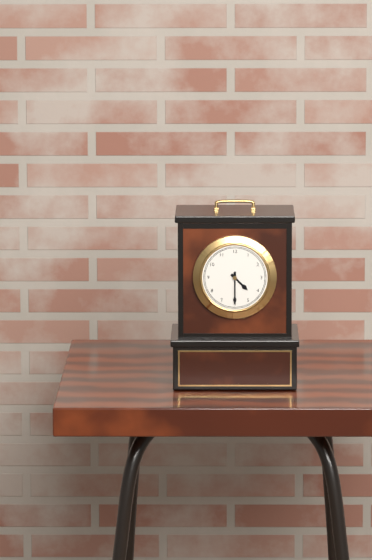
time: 4:30
